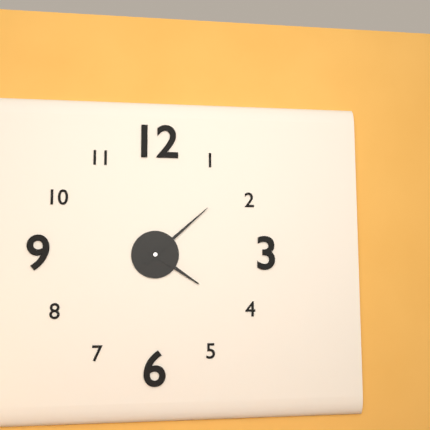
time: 4:08
